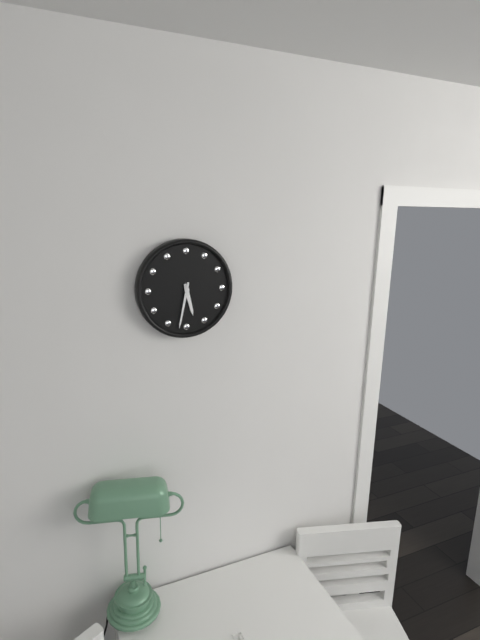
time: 5:32
